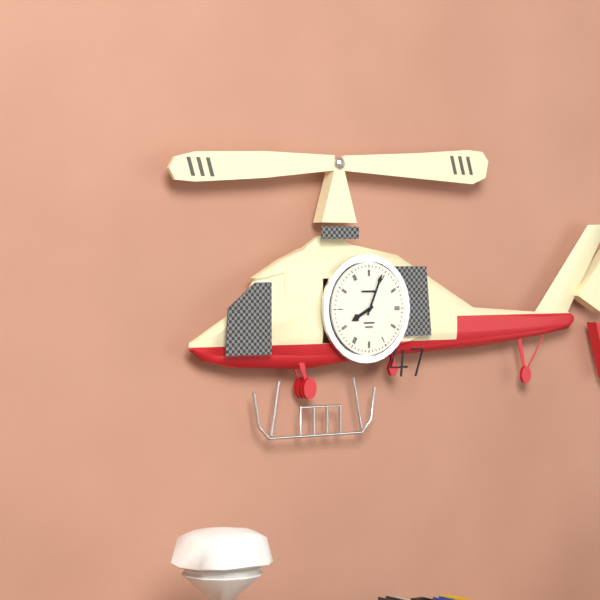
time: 8:04
